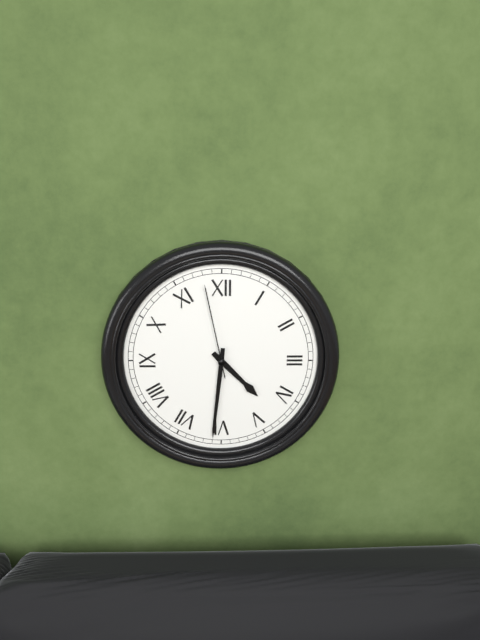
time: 4:31:58
